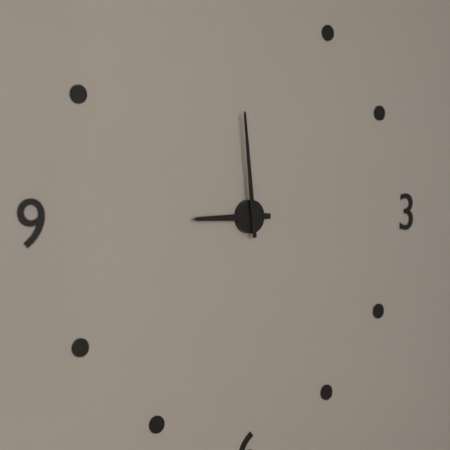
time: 8:59
